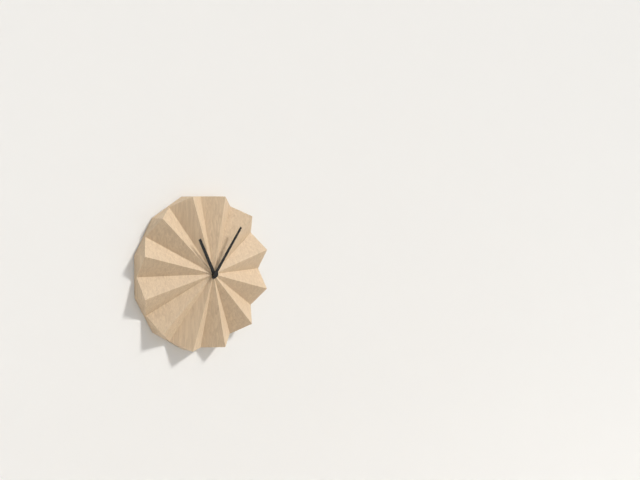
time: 11:06
